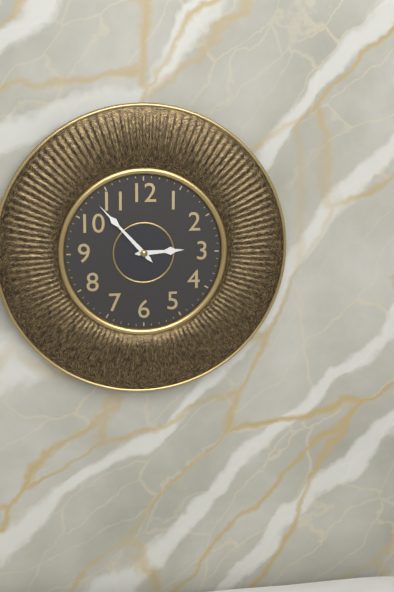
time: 2:53
